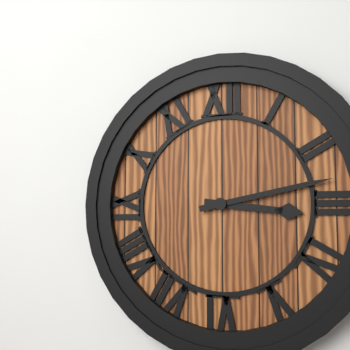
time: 3:13
